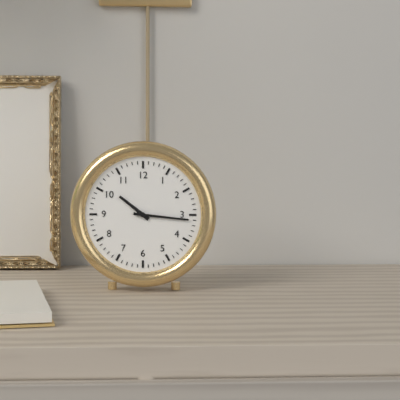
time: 10:16
